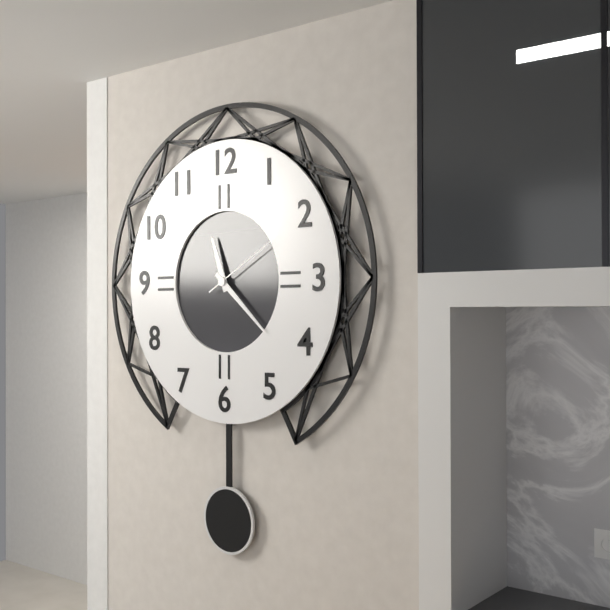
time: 11:22:10
